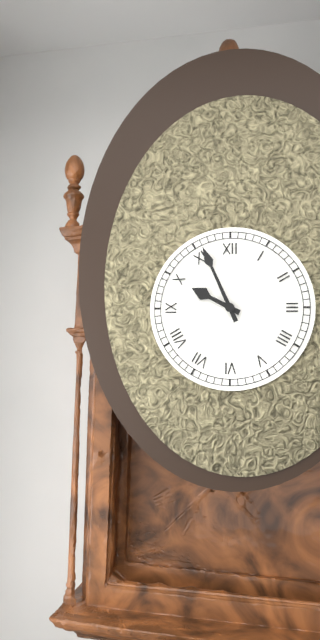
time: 9:56
